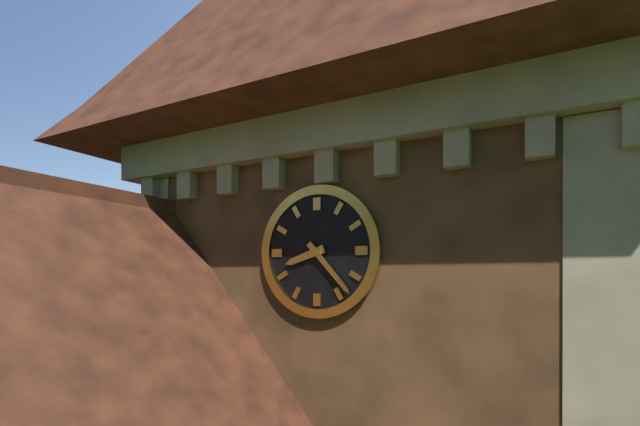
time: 8:23
